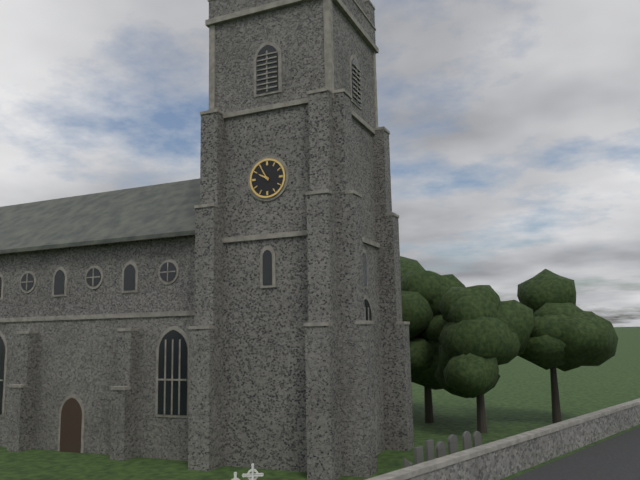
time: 9:55
